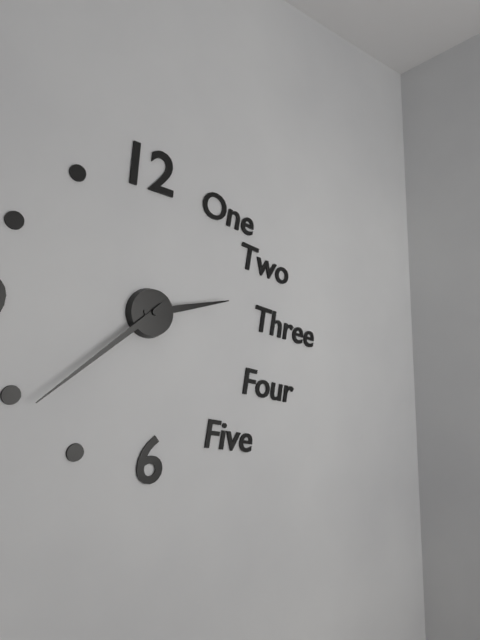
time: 2:39
